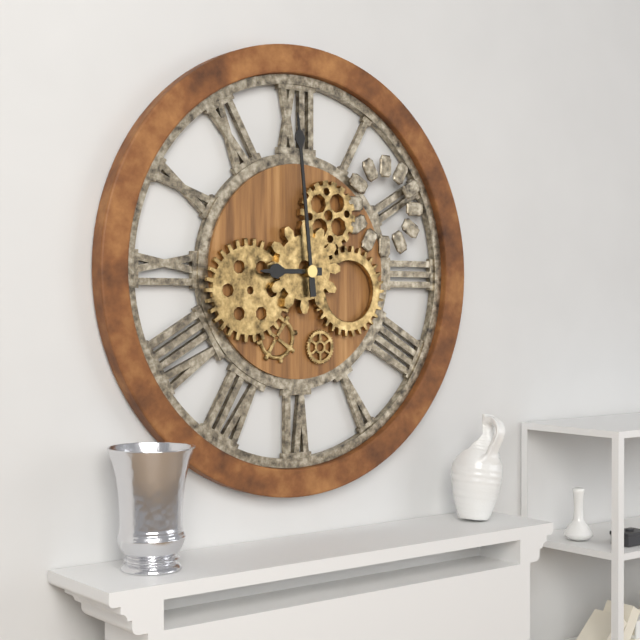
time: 8:59
